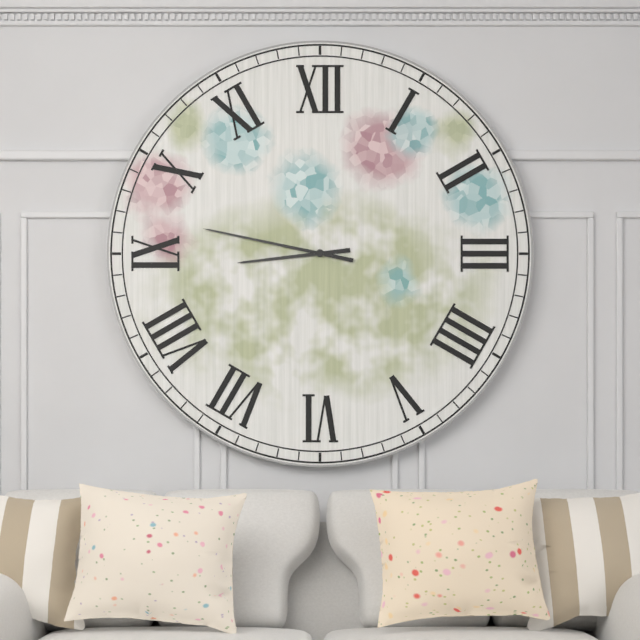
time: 8:47
